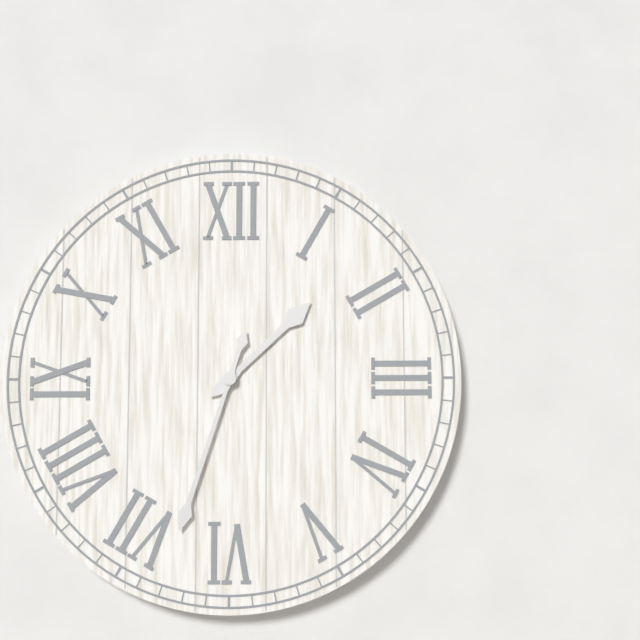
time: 1:33
